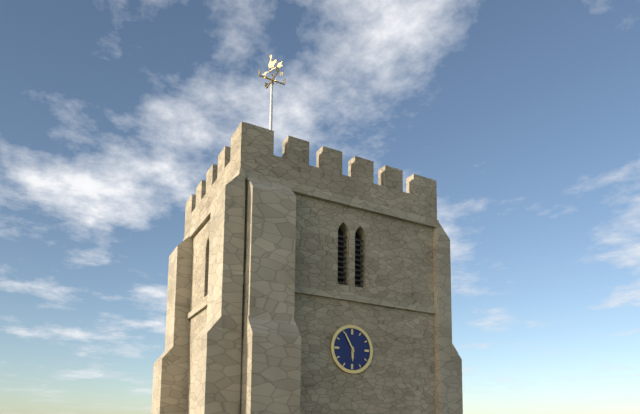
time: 5:55
